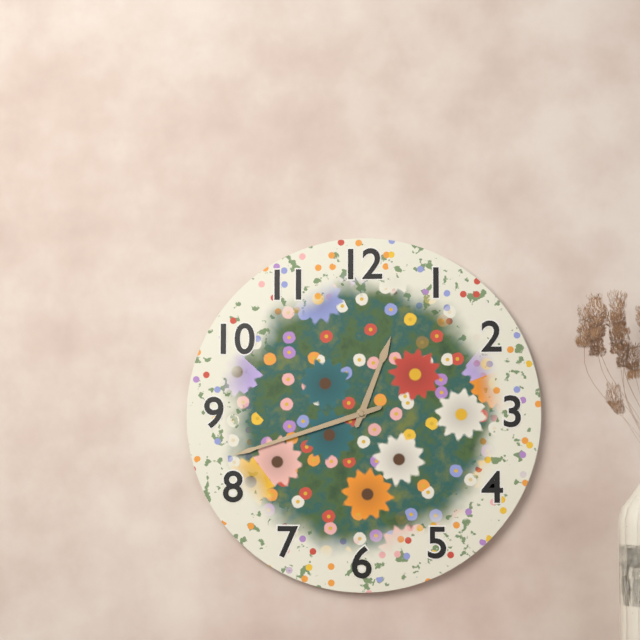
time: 12:42
